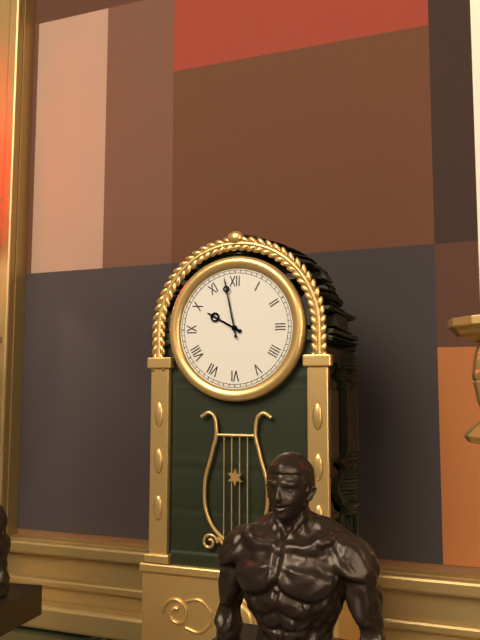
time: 9:58
